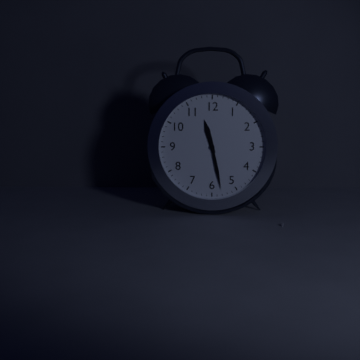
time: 11:28
